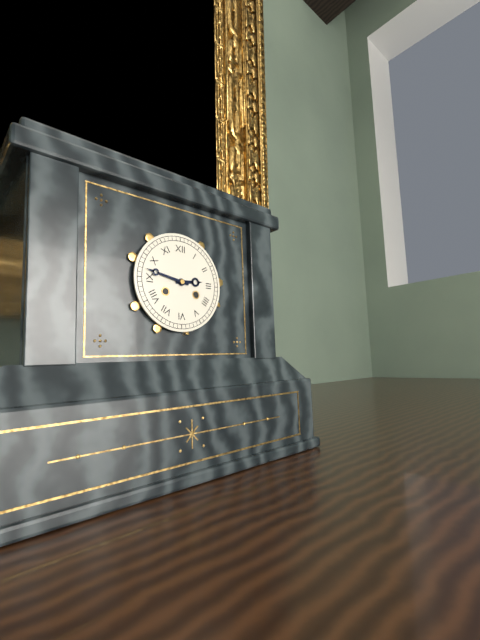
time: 2:47
